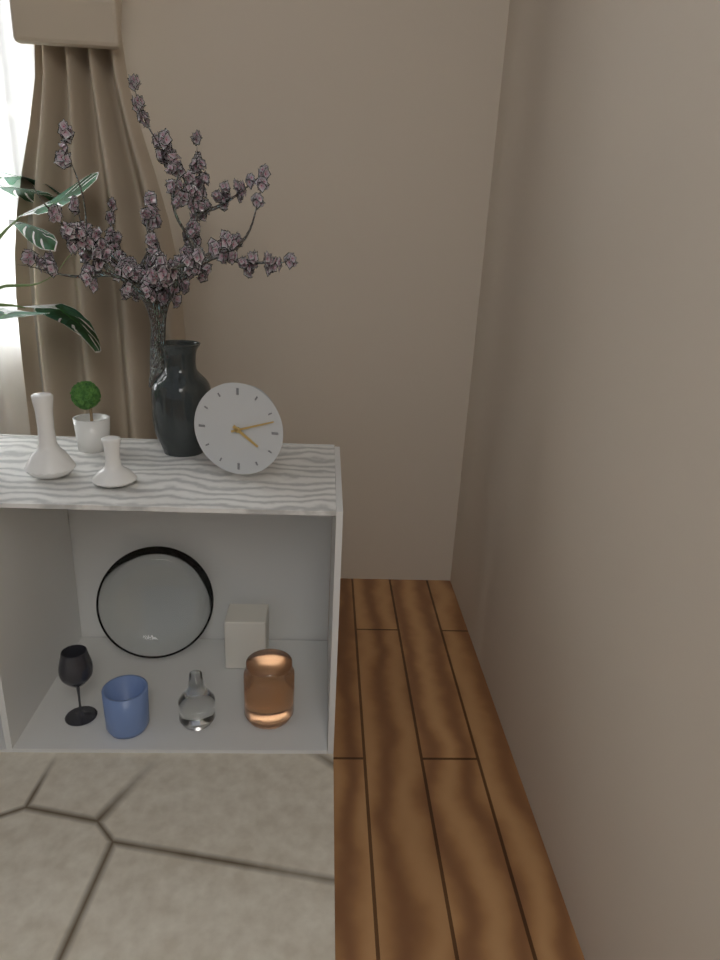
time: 4:12
